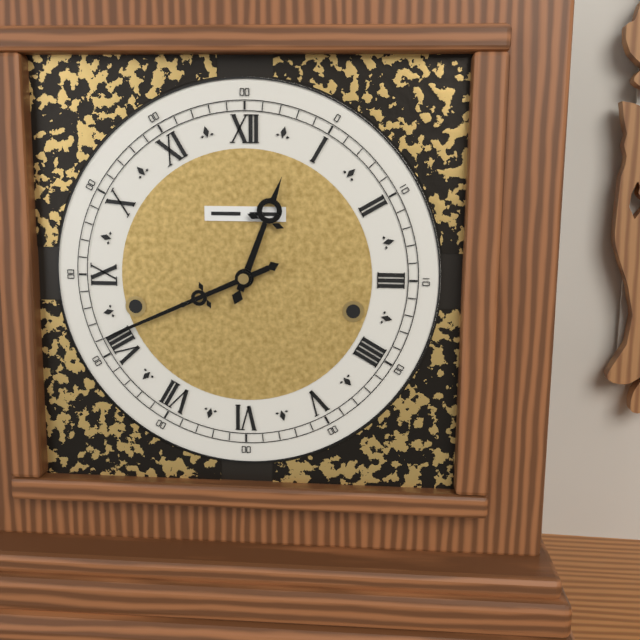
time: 12:41
